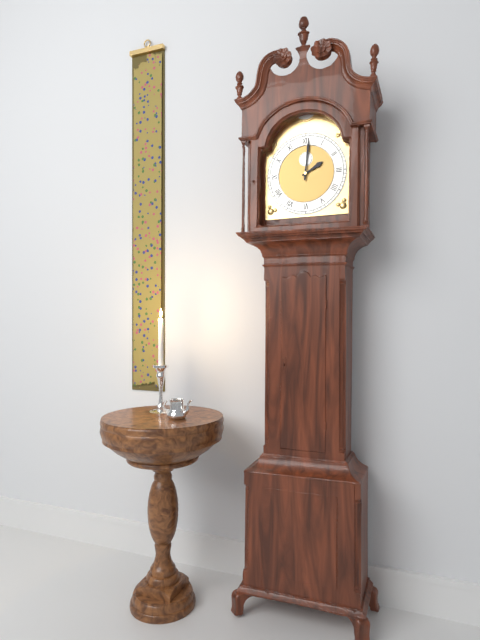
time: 2:01
